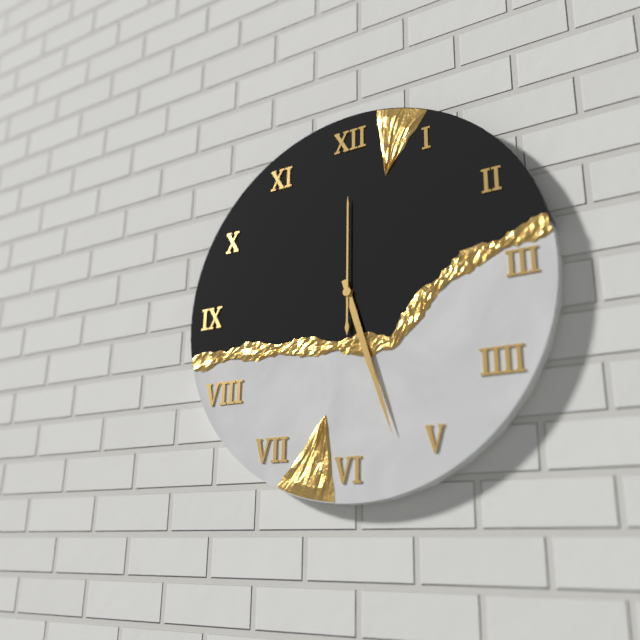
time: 5:27:00
